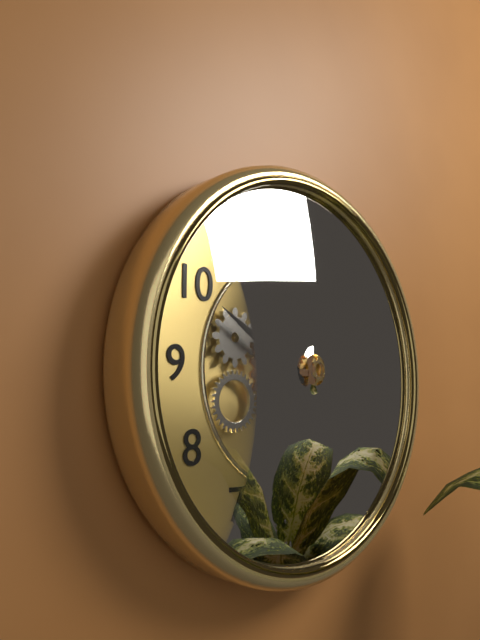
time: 10:00
